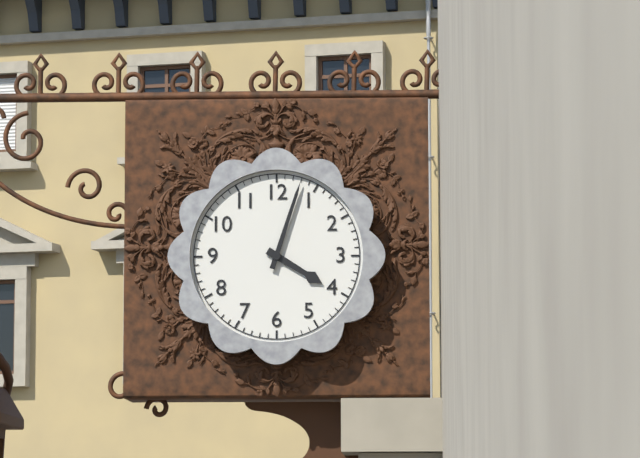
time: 4:03
